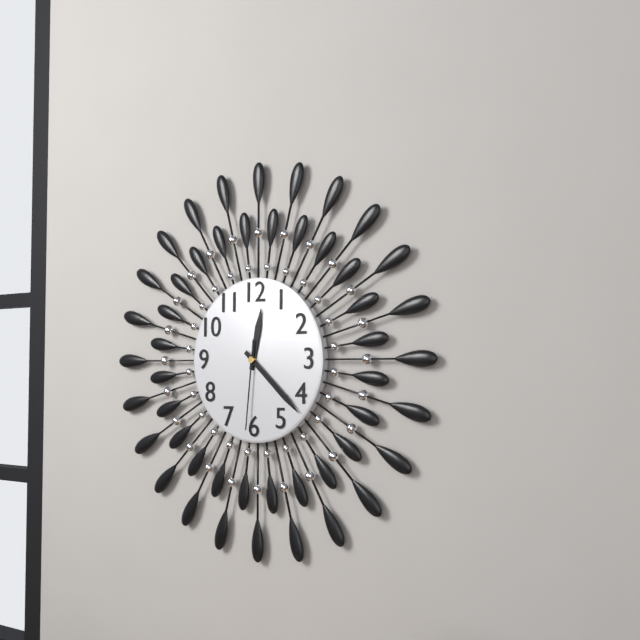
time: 12:22:31
